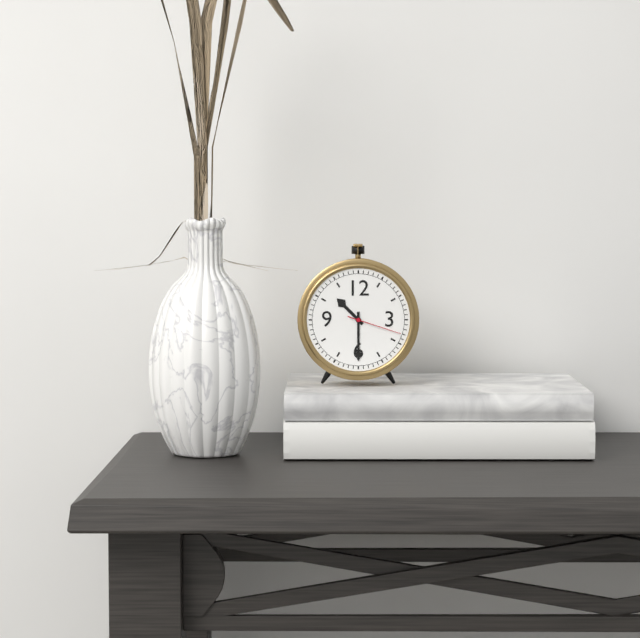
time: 10:30:18
